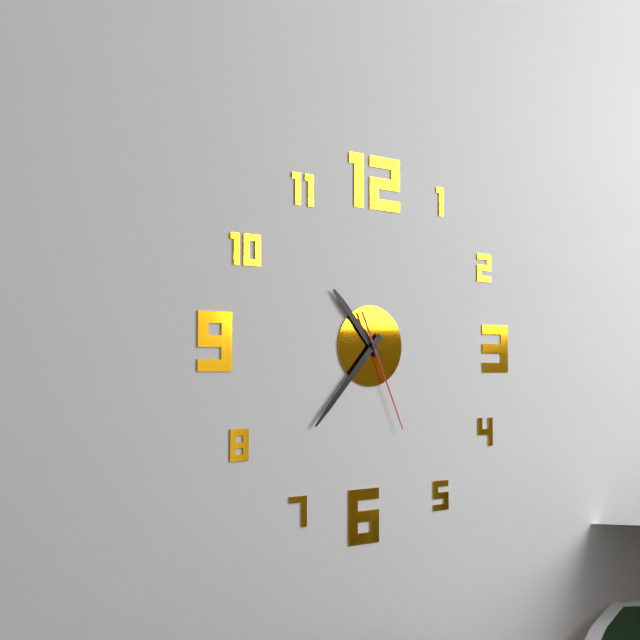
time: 10:37:26
